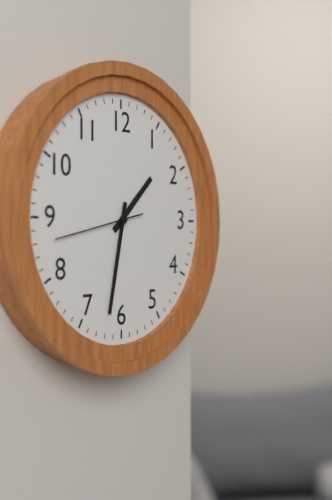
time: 1:32:43
